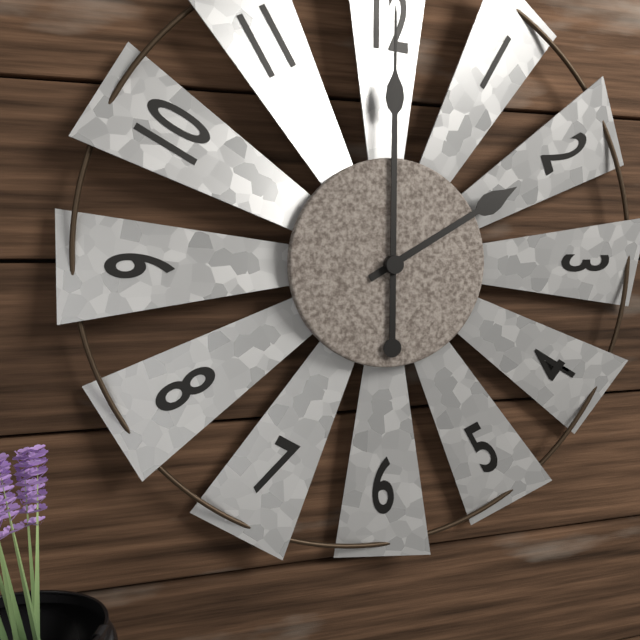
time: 2:00
